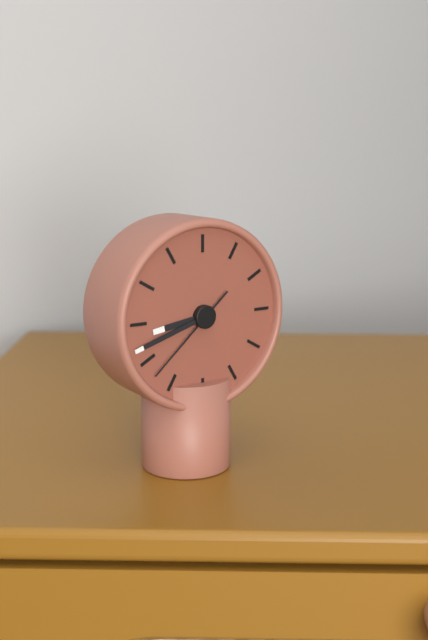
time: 8:42:38
